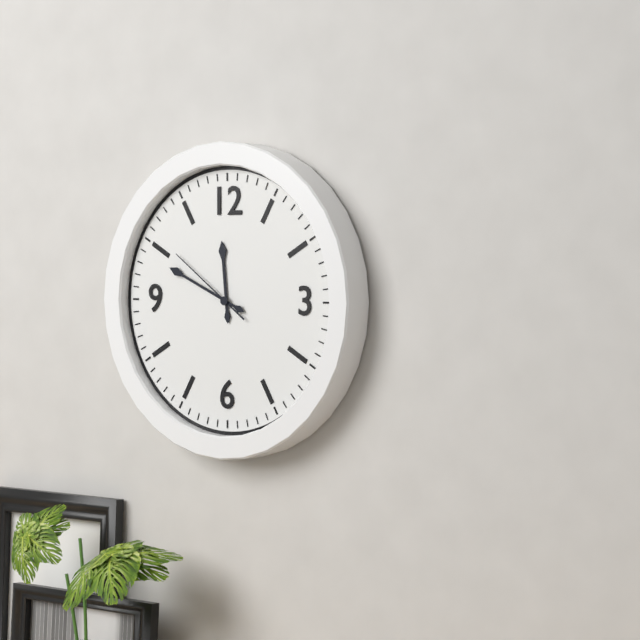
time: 11:49:51
